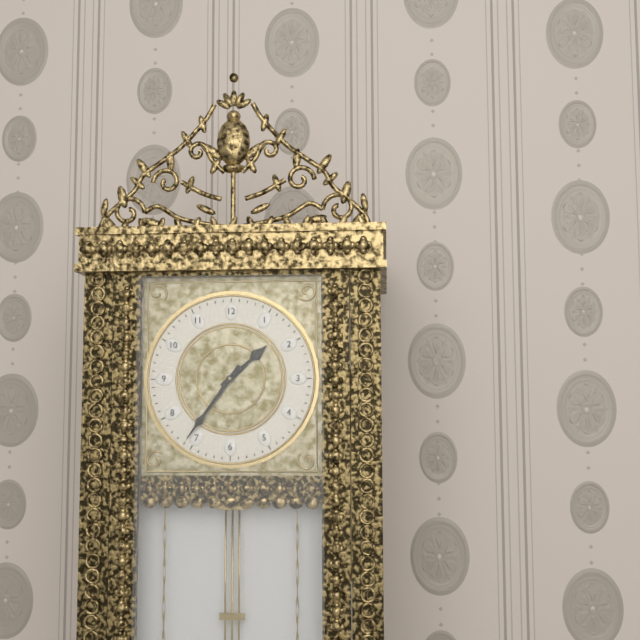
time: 1:36
